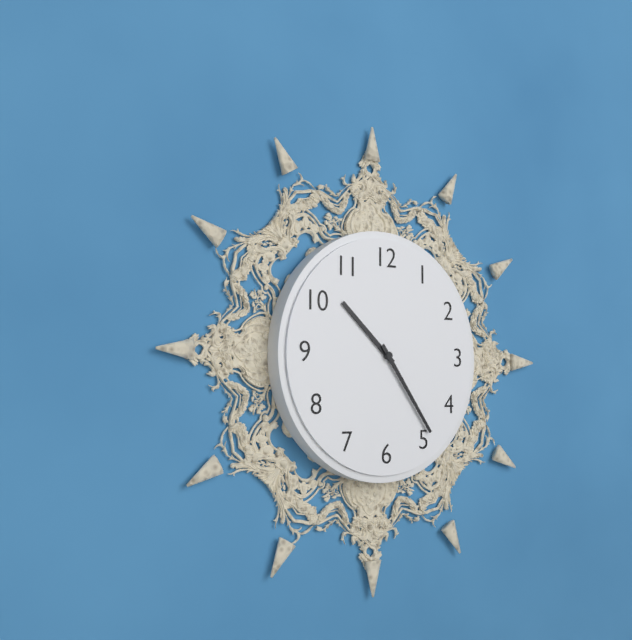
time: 10:24
